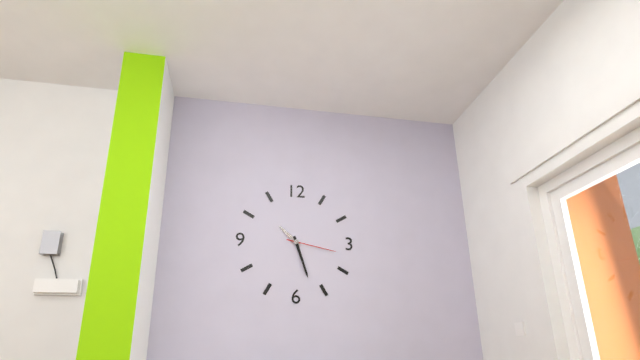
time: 10:27:17
